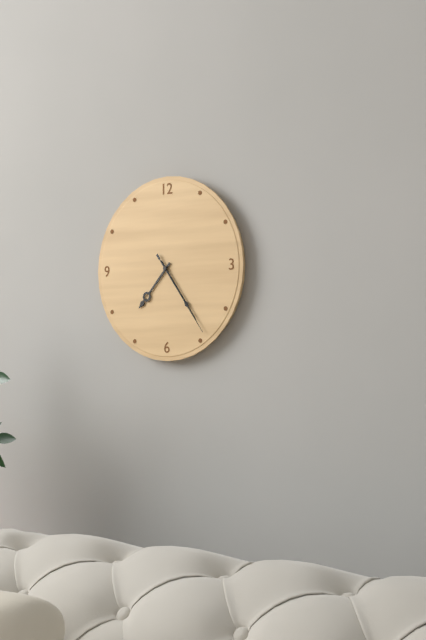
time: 7:24:24
